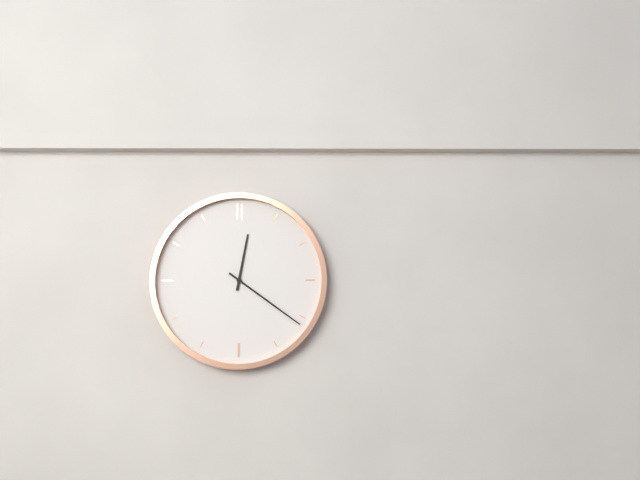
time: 12:21
